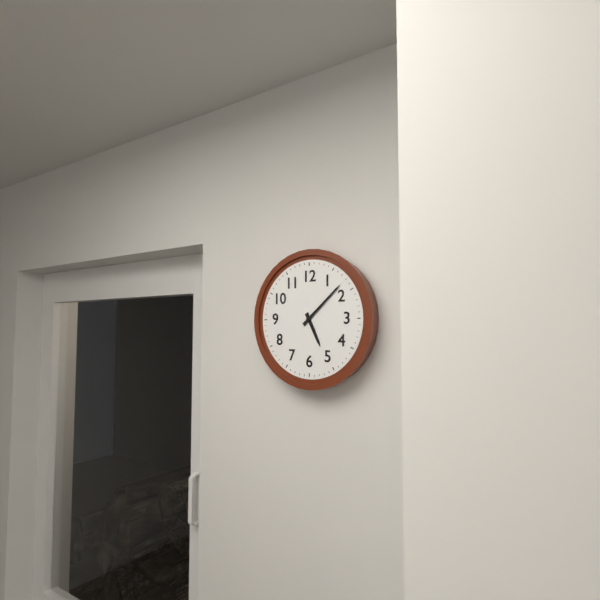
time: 5:08
